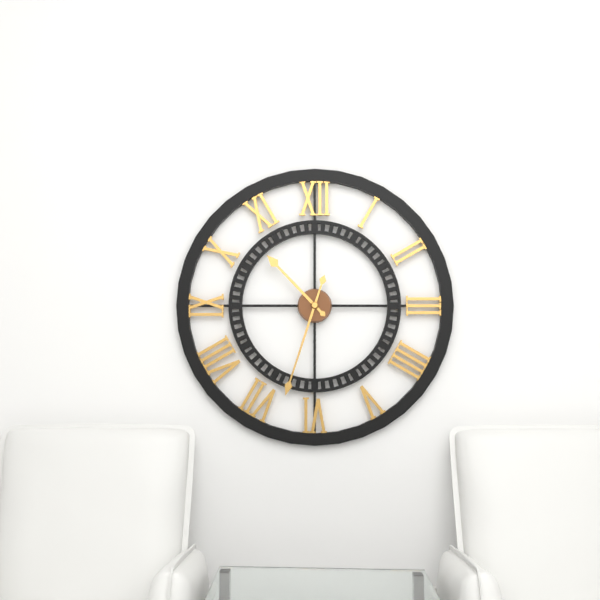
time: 10:33
